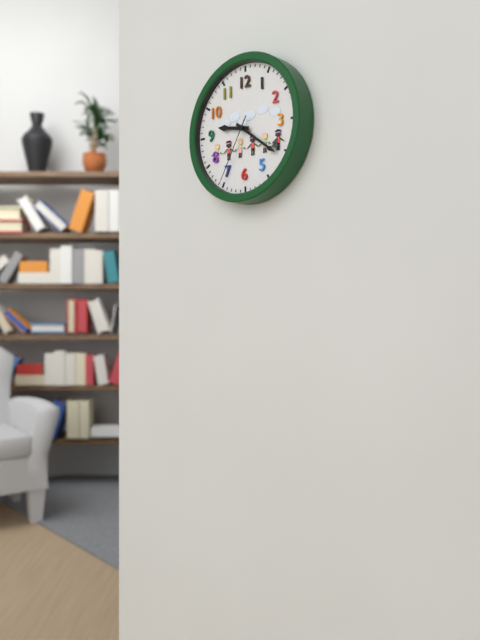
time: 9:21:35
